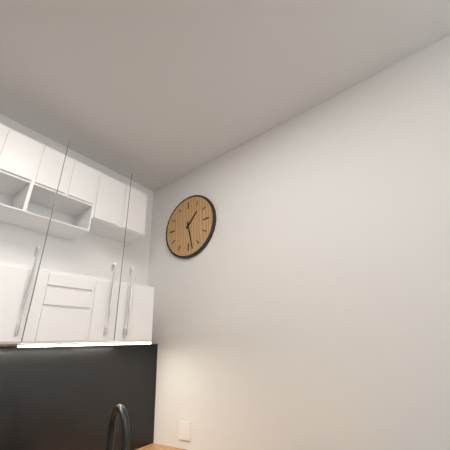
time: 1:28
